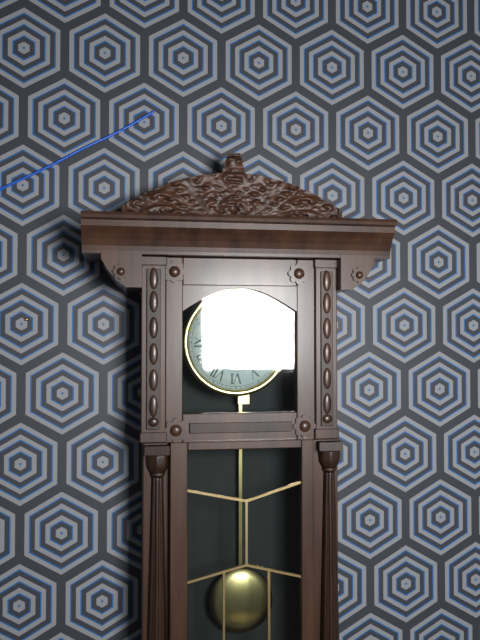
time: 11:15
